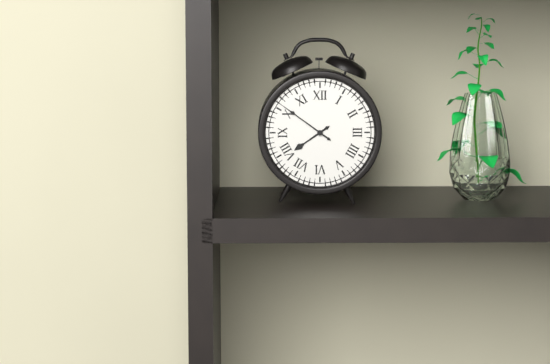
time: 7:51
